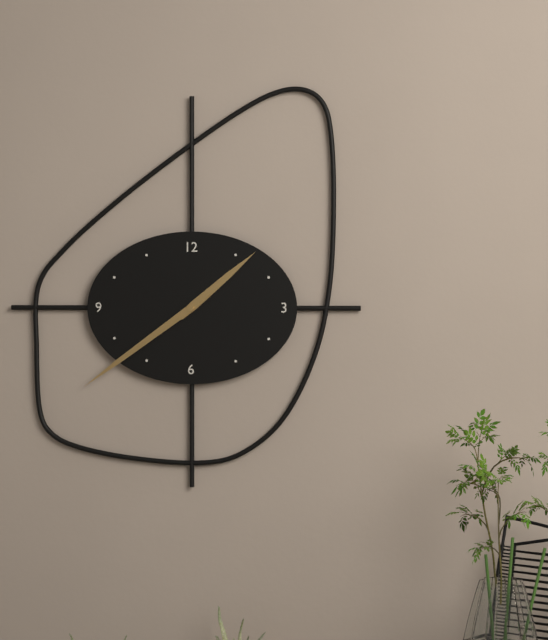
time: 1:39:39
